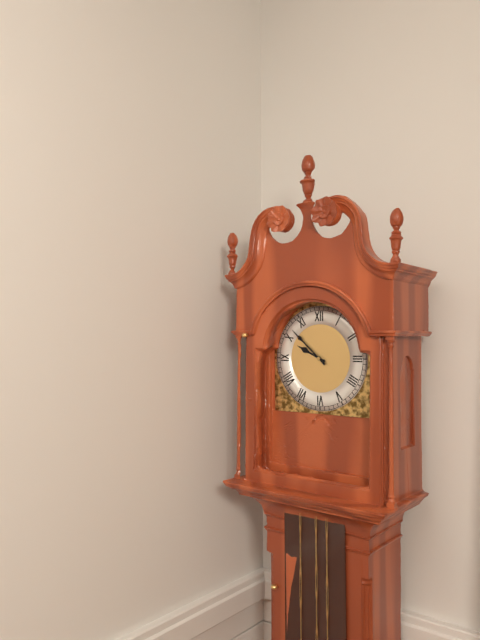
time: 9:52
